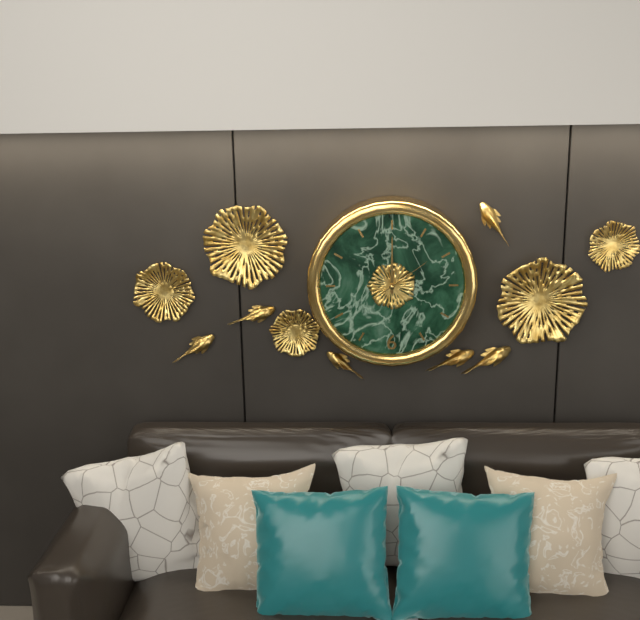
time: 12:00:09
